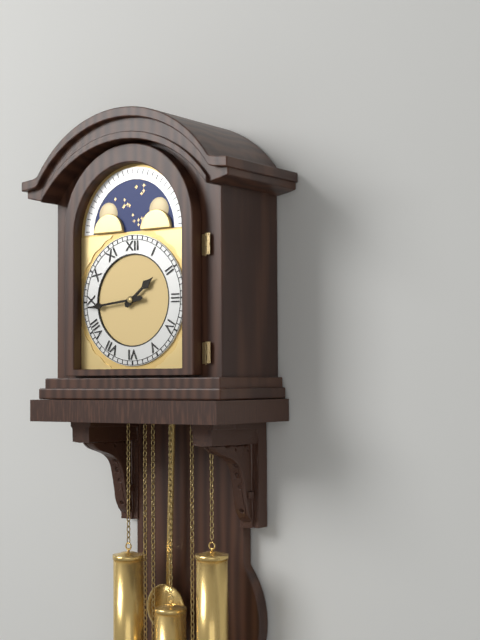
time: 1:44
